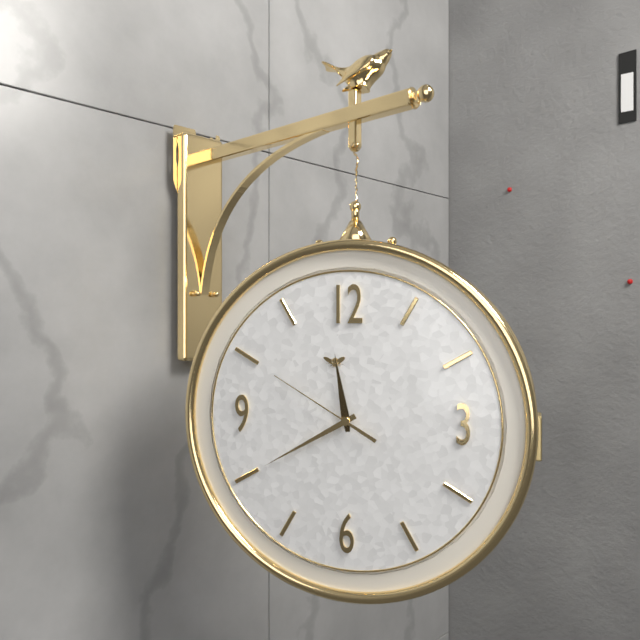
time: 11:40:50
